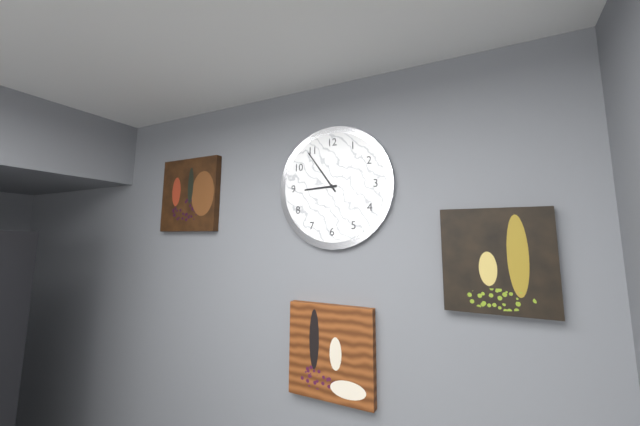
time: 8:54
